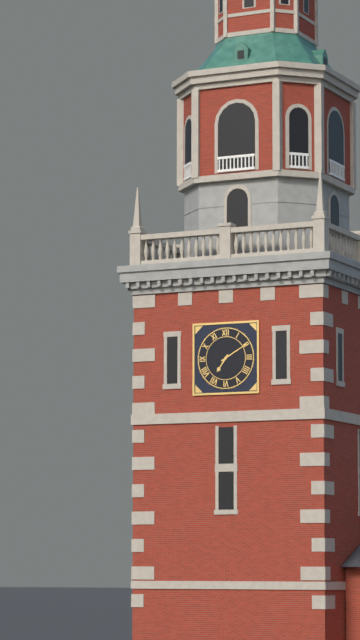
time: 7:10
